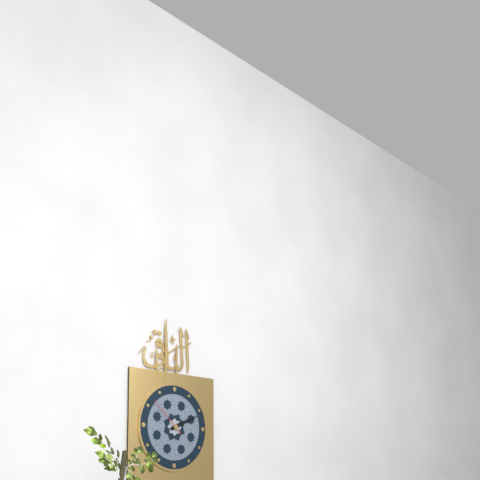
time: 2:11
